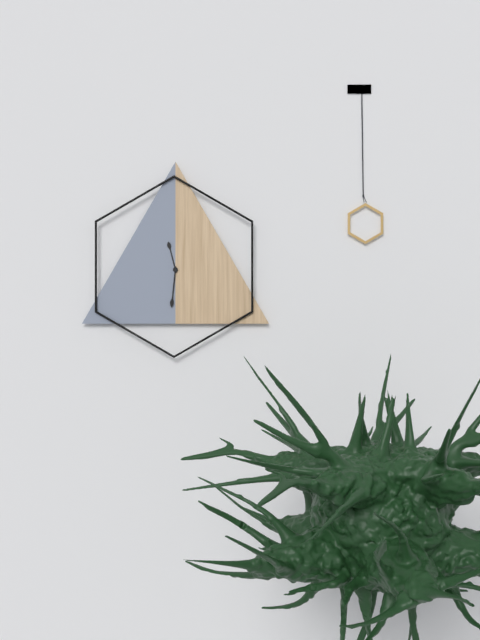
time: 11:31
